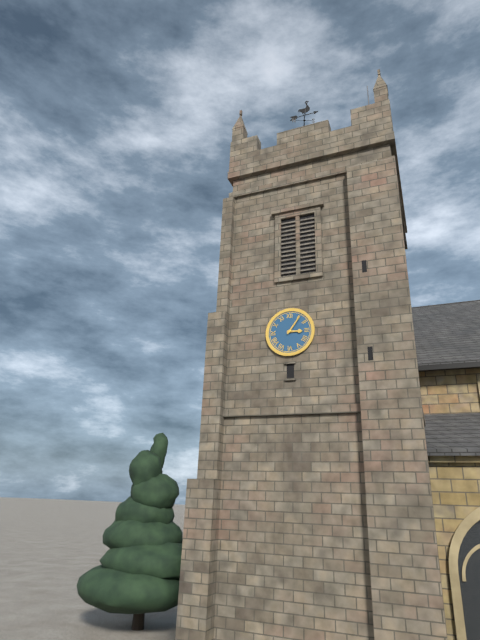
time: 3:06
